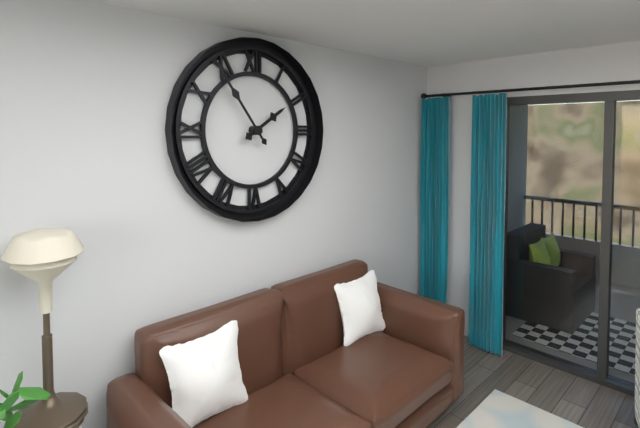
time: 1:54
